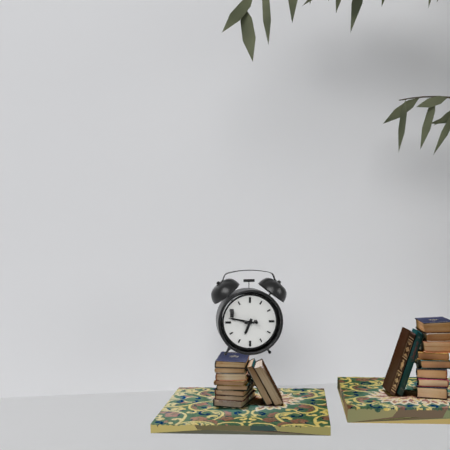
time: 6:47
